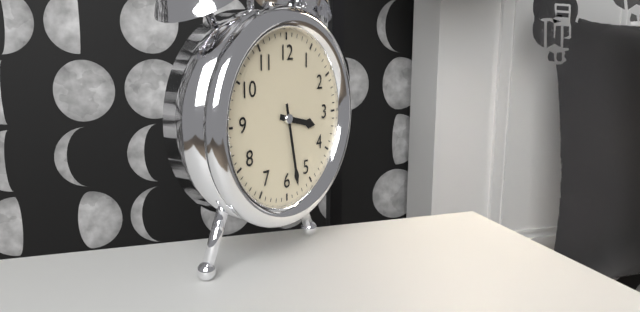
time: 3:28
